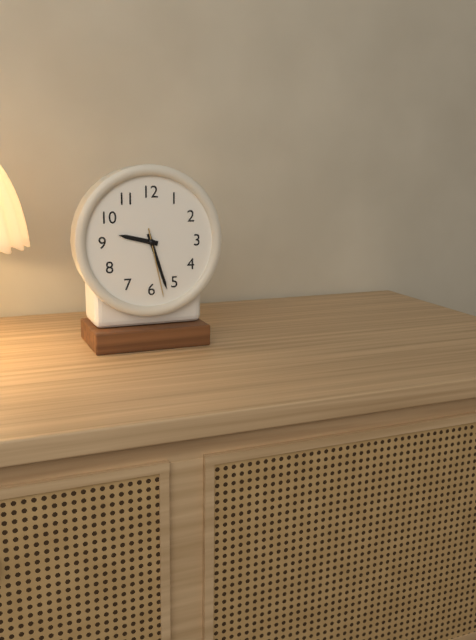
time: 9:27:28
